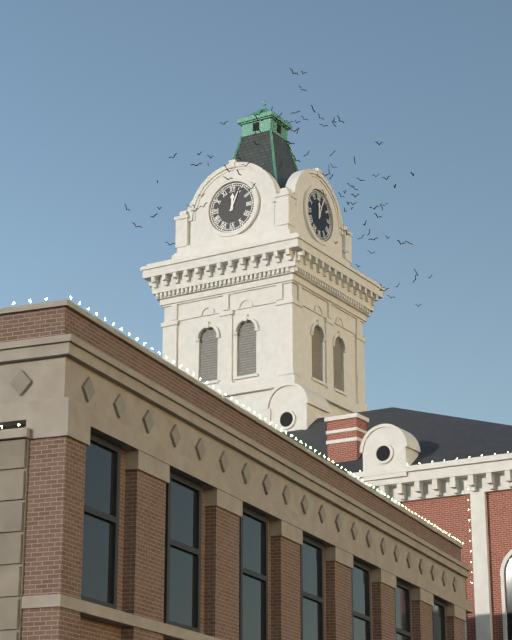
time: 12:04
